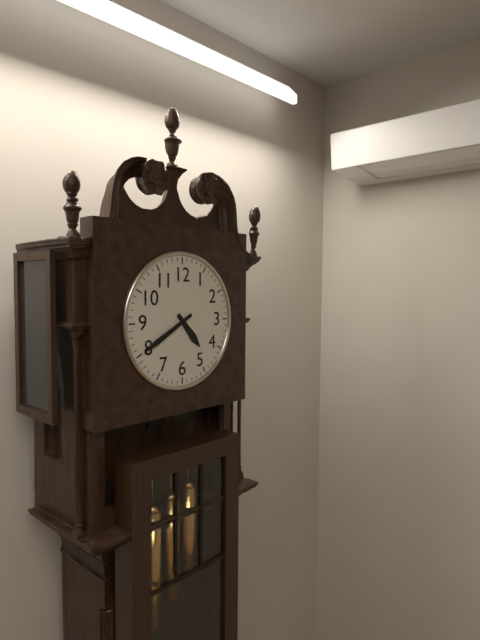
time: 4:40
